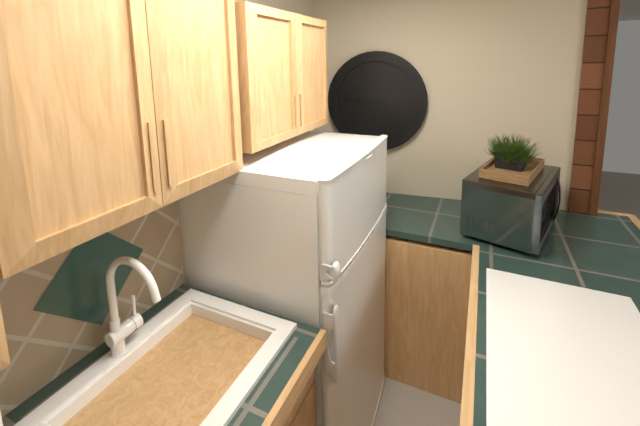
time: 8:46
